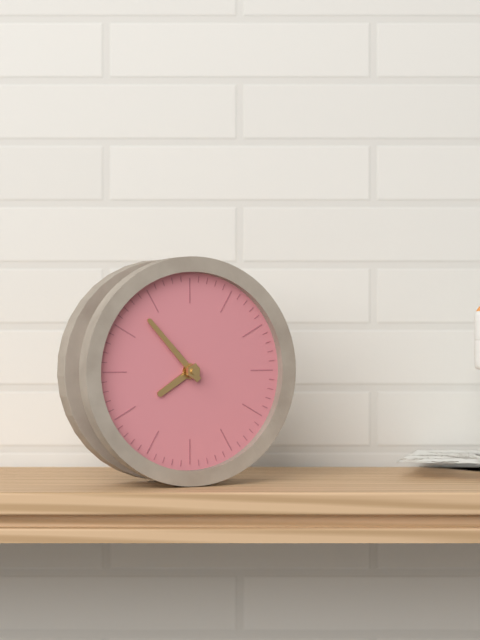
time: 7:53
